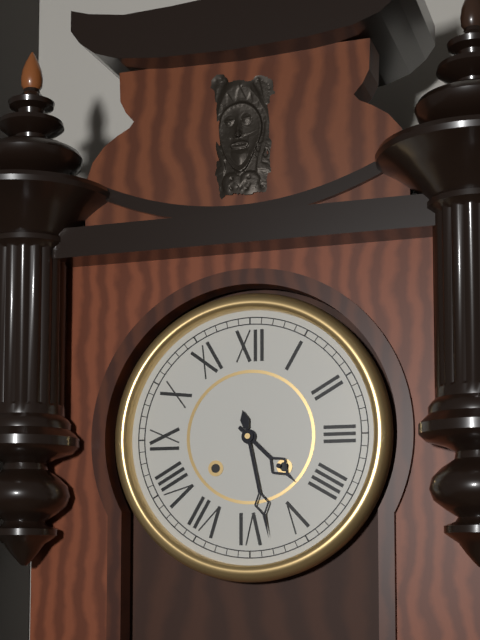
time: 4:28
